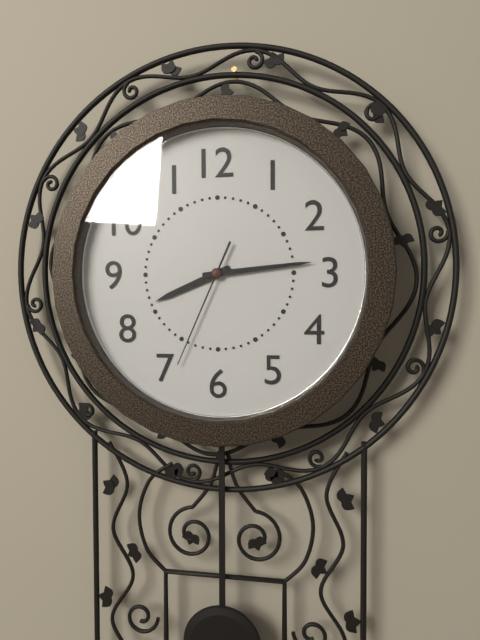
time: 8:14:34
